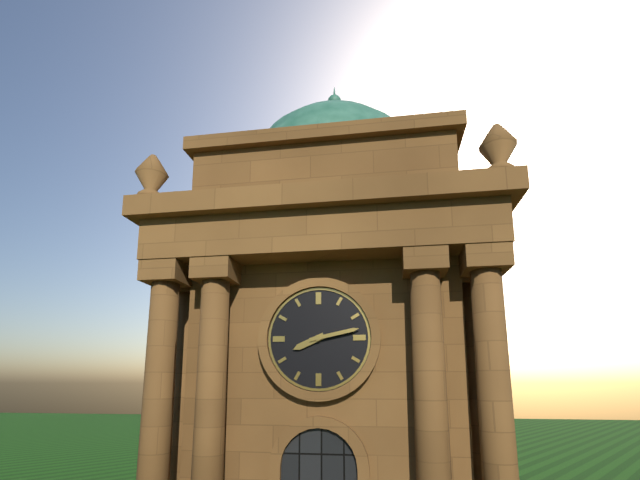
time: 8:13
